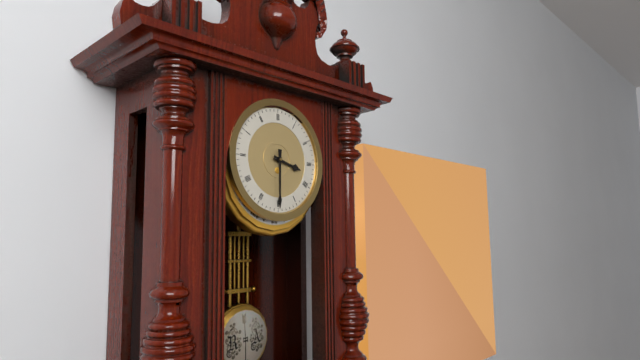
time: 3:30
